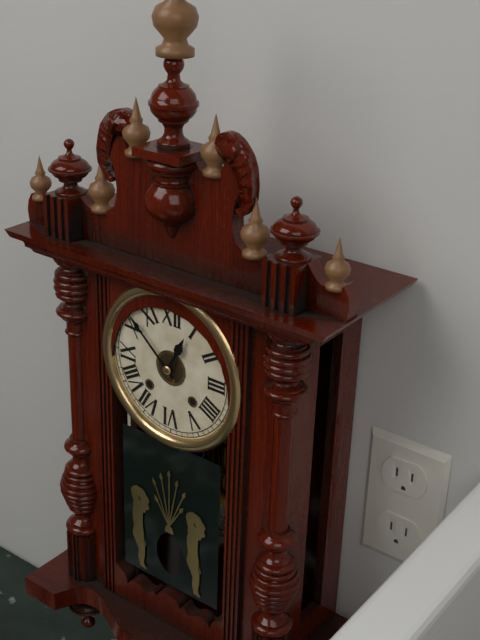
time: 12:52
